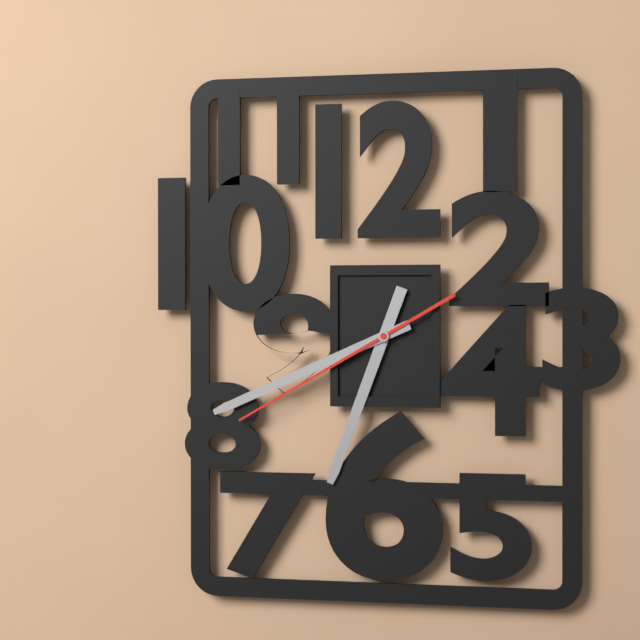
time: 6:41:40
